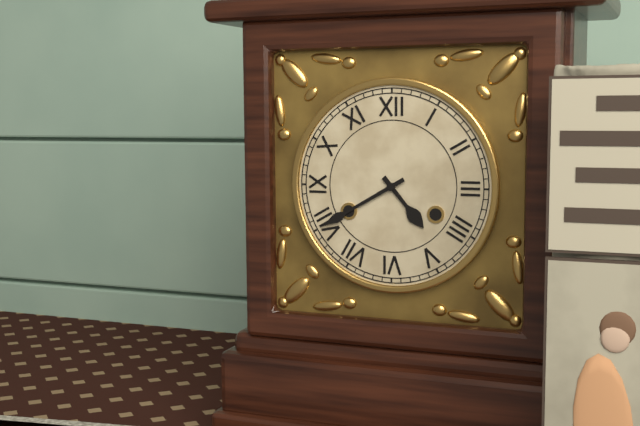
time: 4:40
